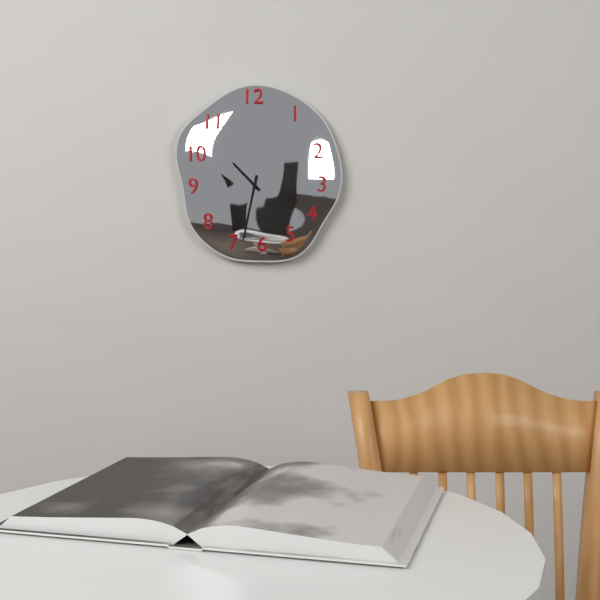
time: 10:32
